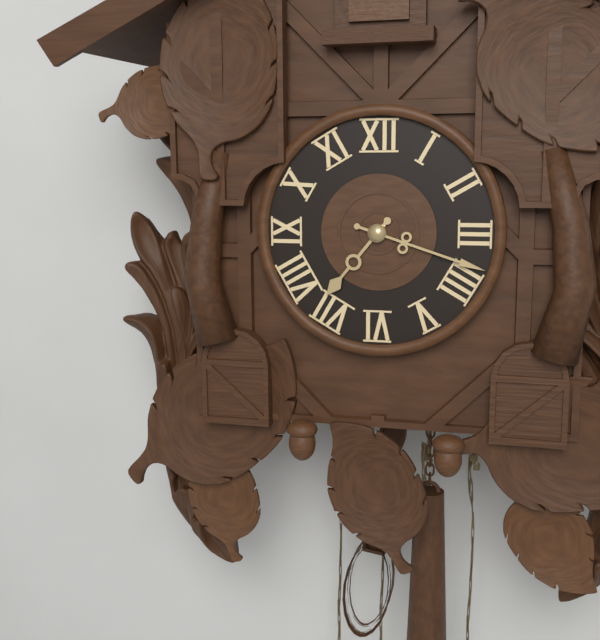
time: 7:18
